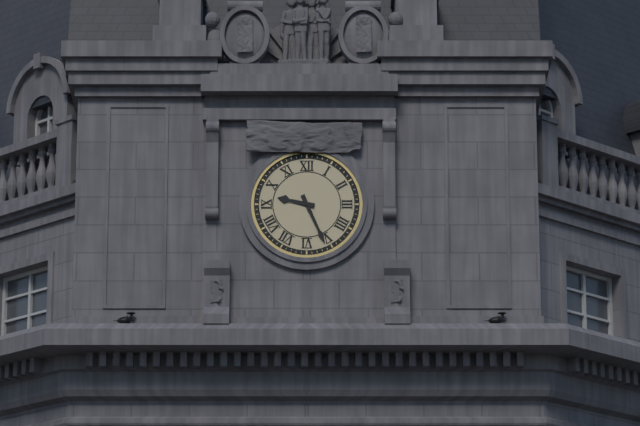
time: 9:26
